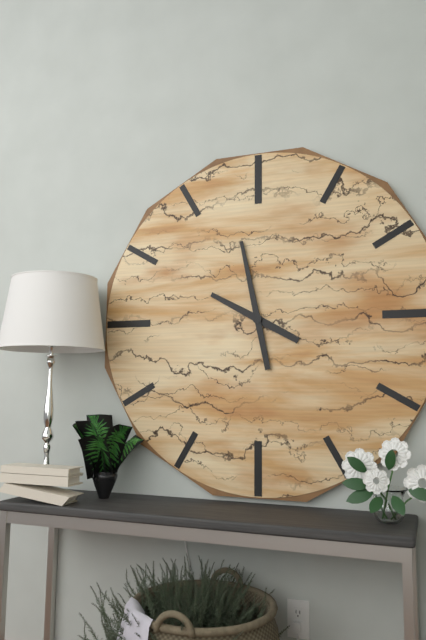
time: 9:58
